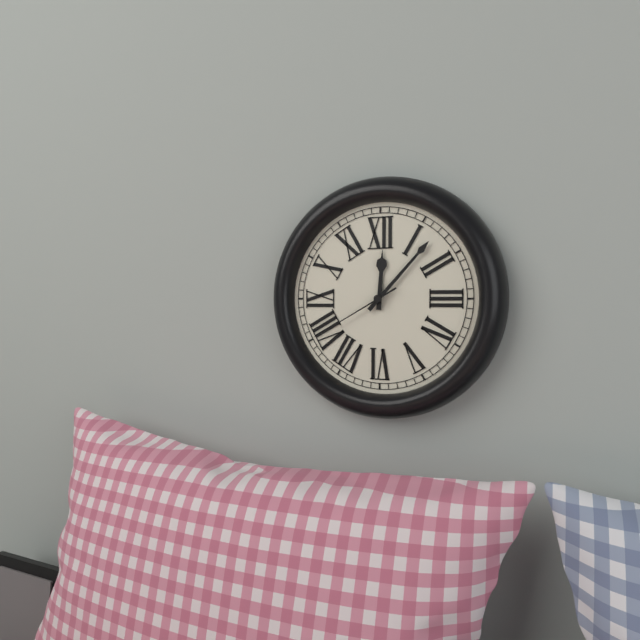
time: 12:07:40
